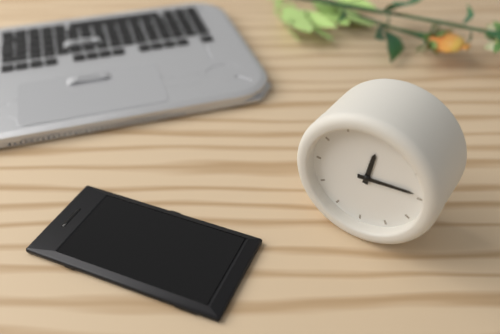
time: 12:14
